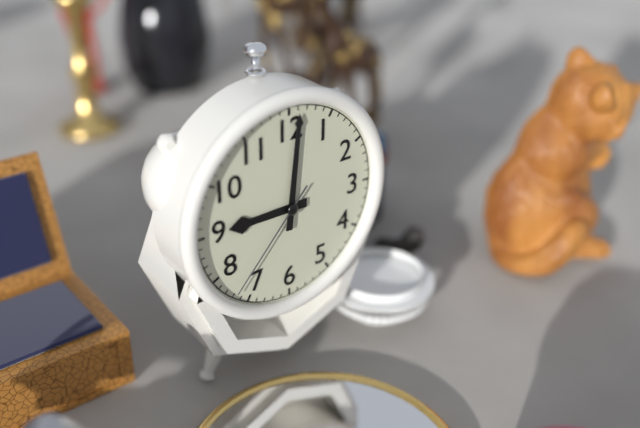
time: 9:01:37
